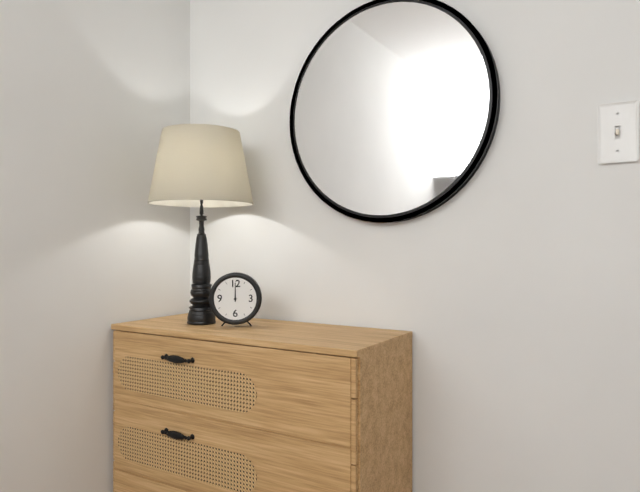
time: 12:00
